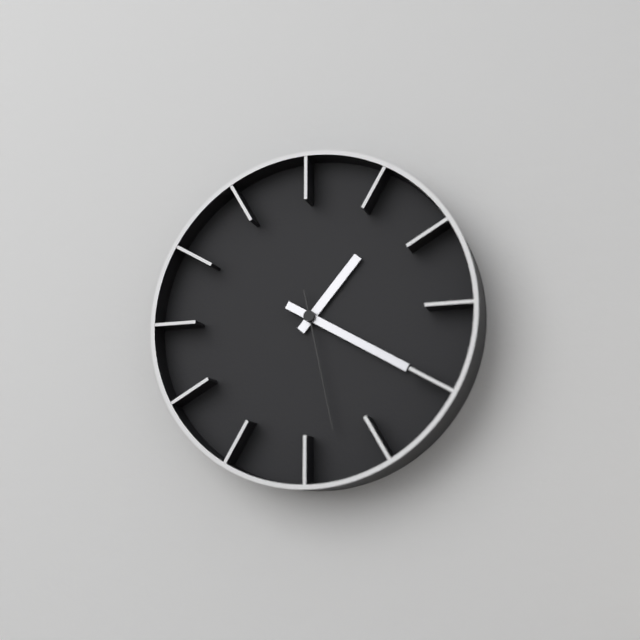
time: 1:20:28
